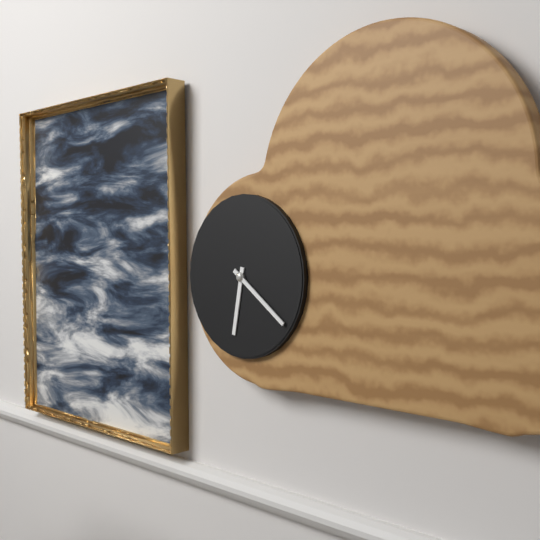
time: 6:21
